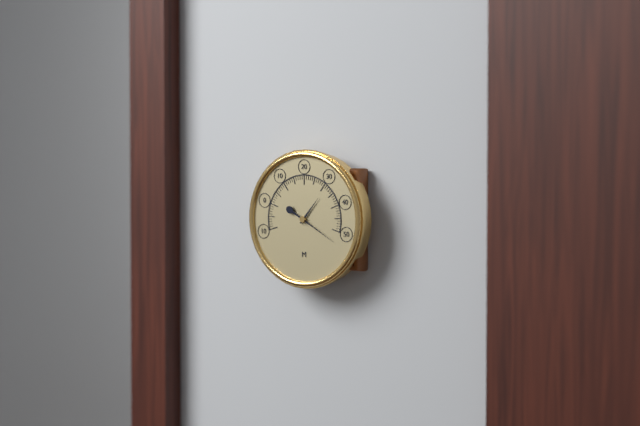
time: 1:20
